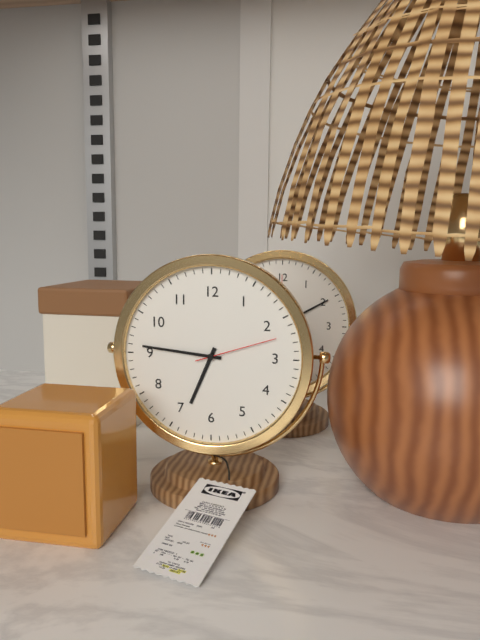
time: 6:46:12
